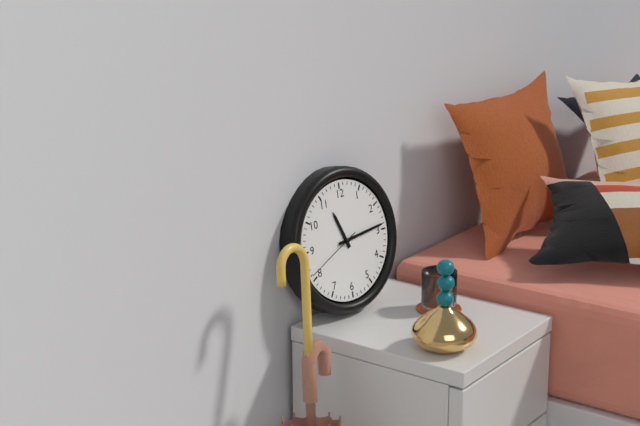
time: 11:14:41
